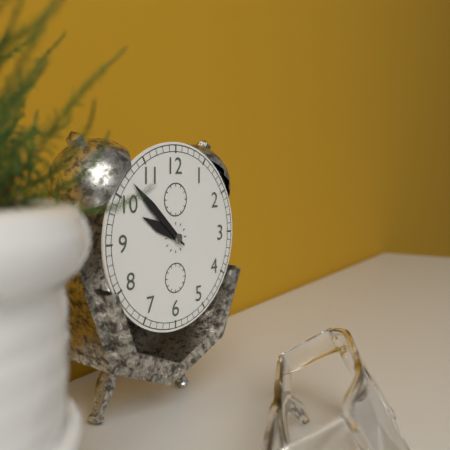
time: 9:52
